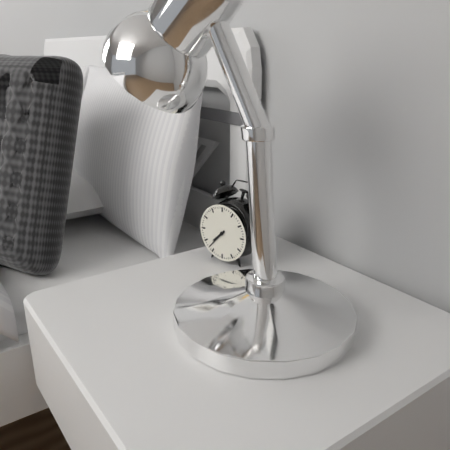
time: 7:37
